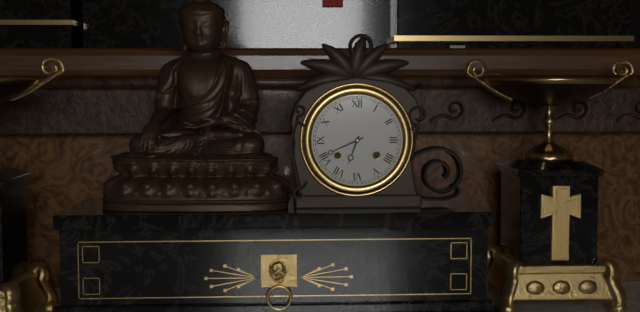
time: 6:41
